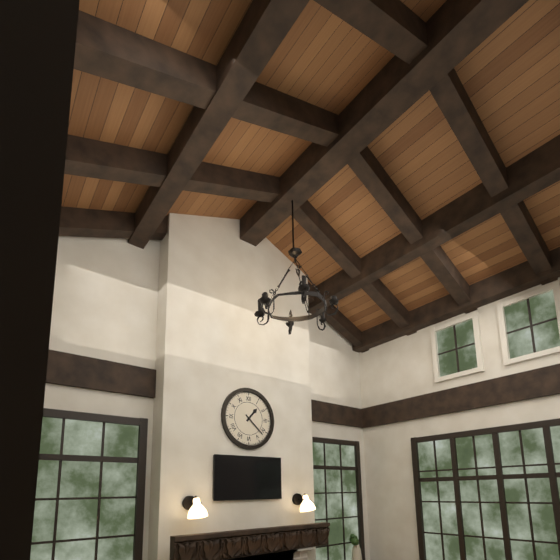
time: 1:22
